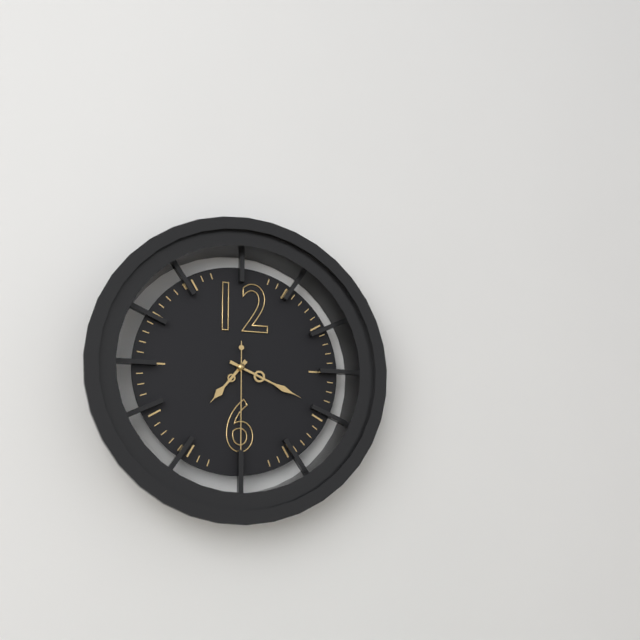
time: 7:19:30
